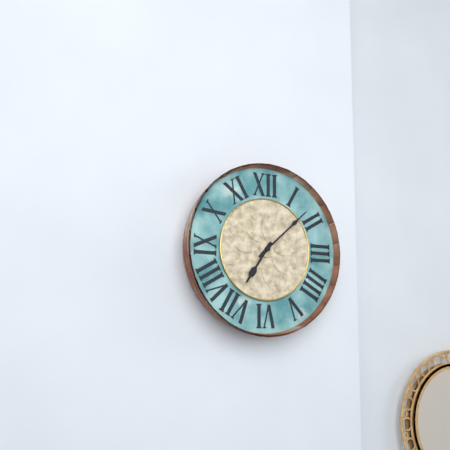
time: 7:08
